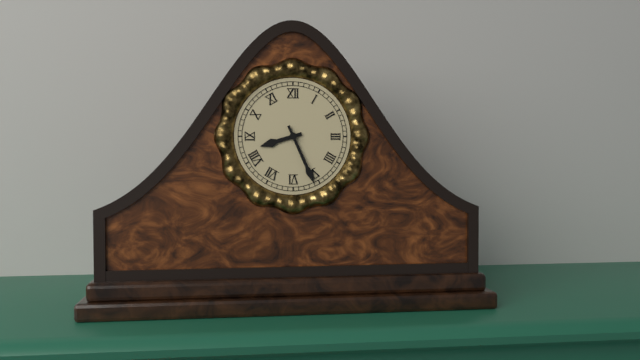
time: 8:26
